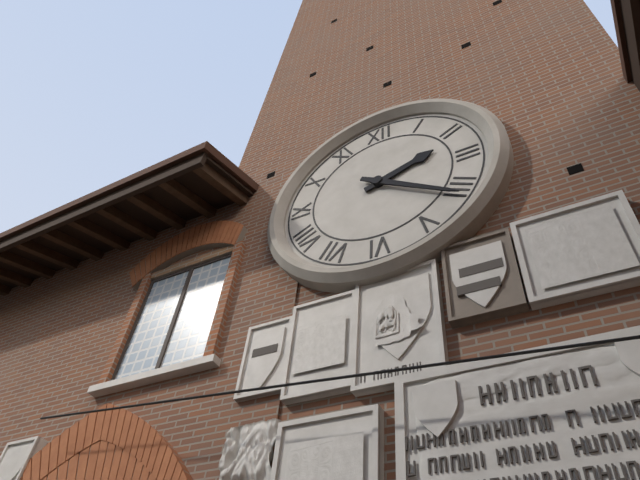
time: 2:21
